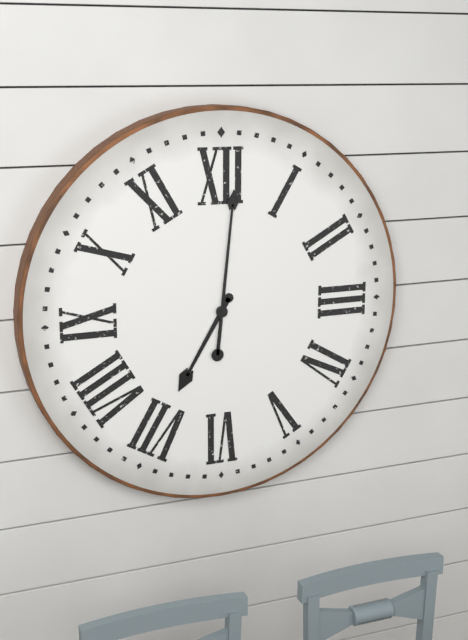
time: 7:01
